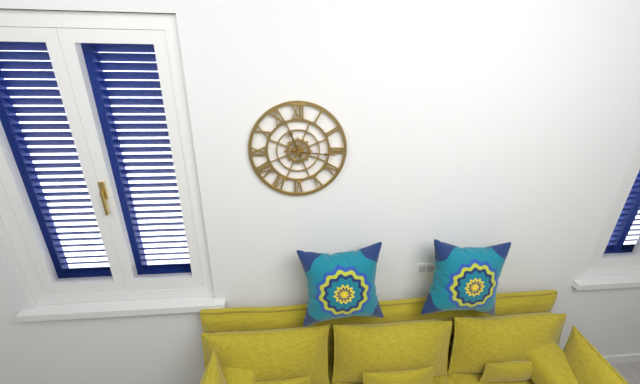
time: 11:16
